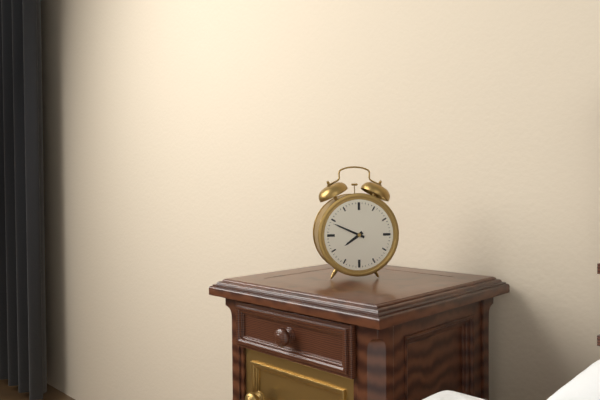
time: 7:49
